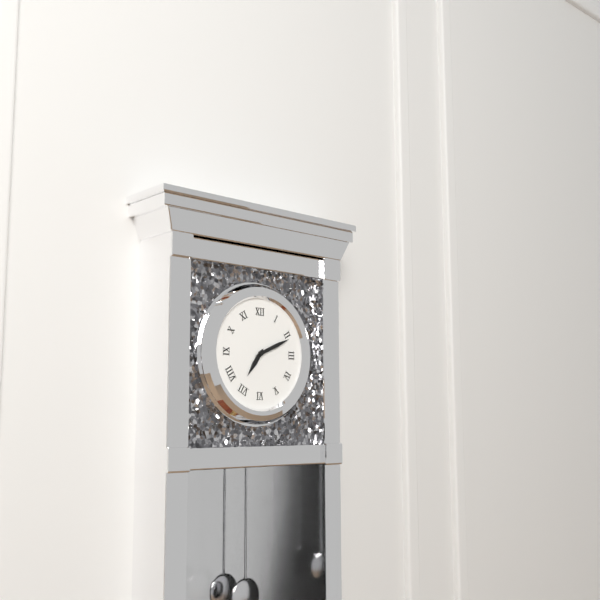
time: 7:11
